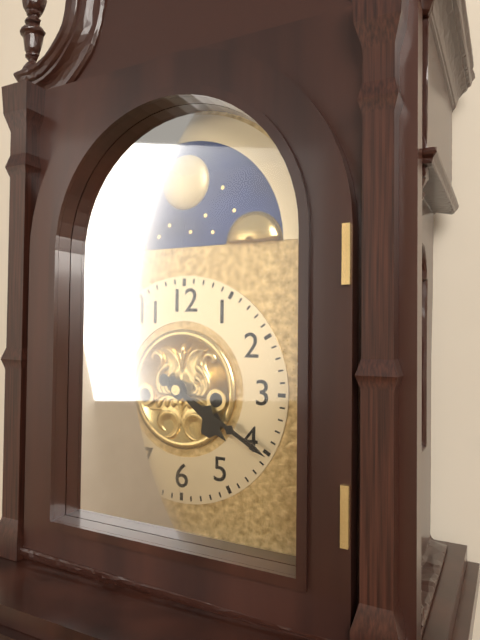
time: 4:20
